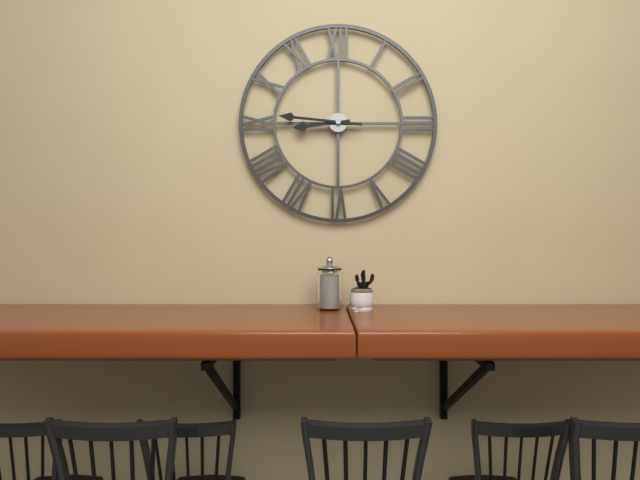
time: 8:46
